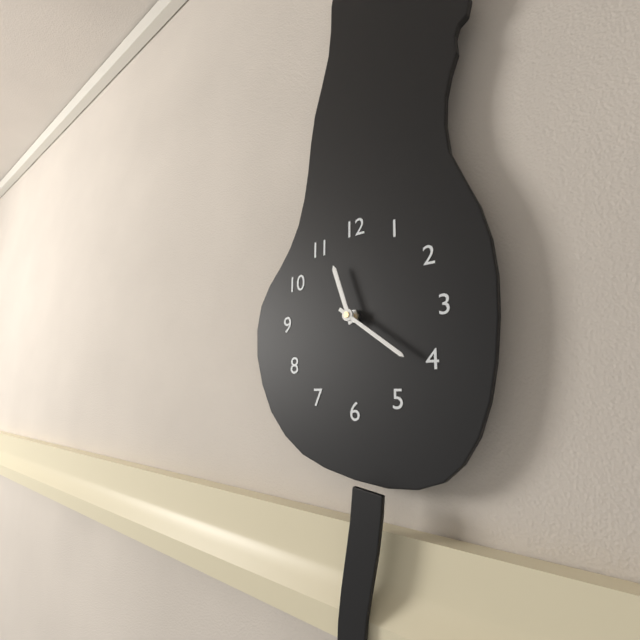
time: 11:21
